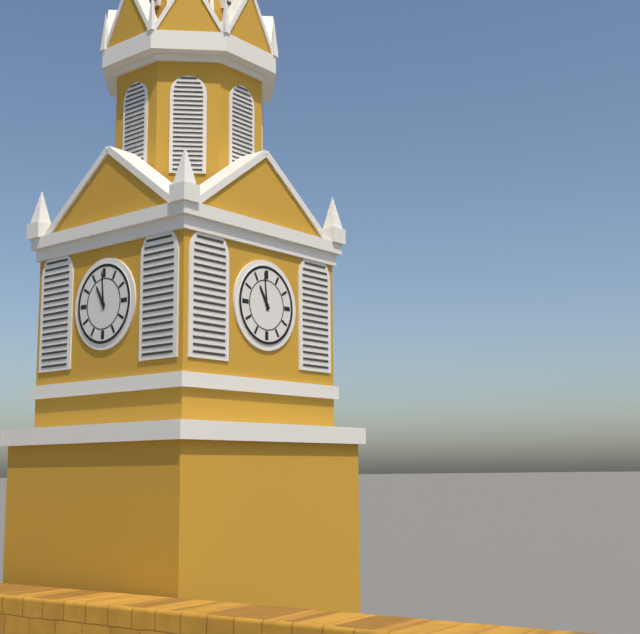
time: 10:59
